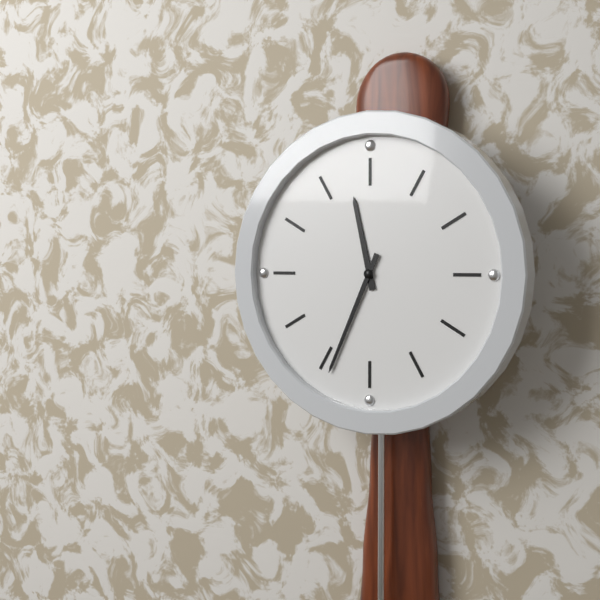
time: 11:34
